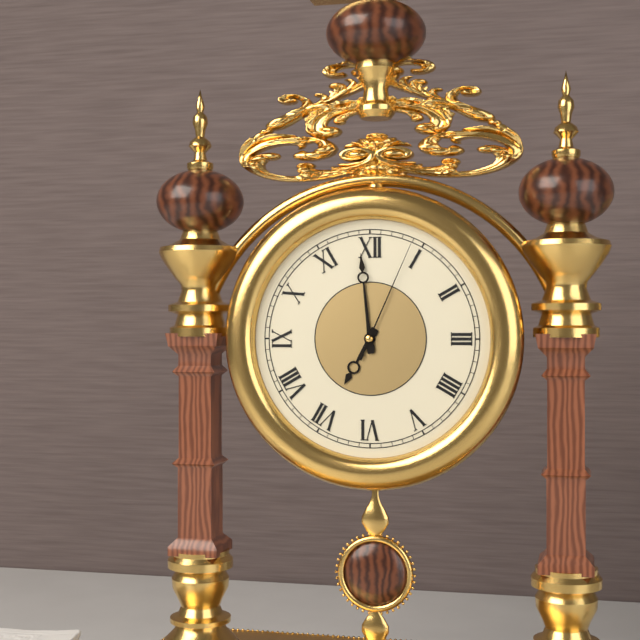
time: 6:59:04
